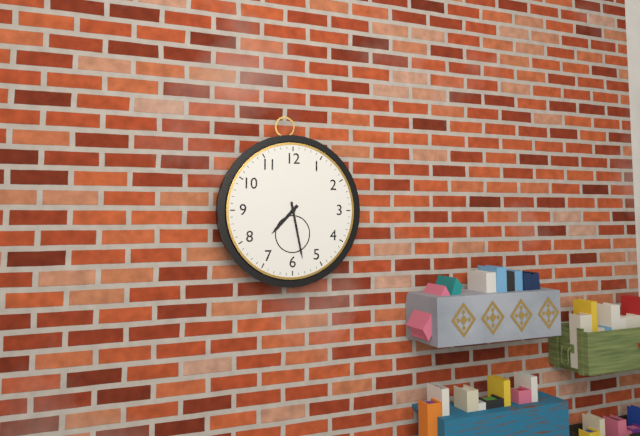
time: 7:28
